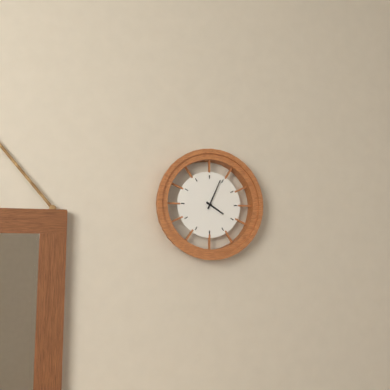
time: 4:04
